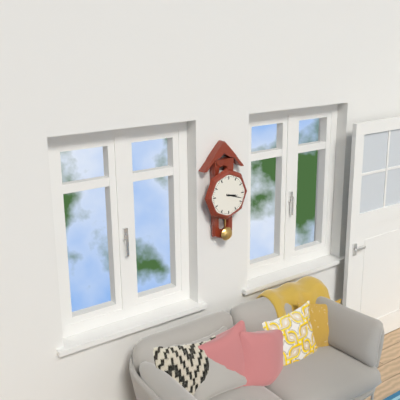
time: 3:18
